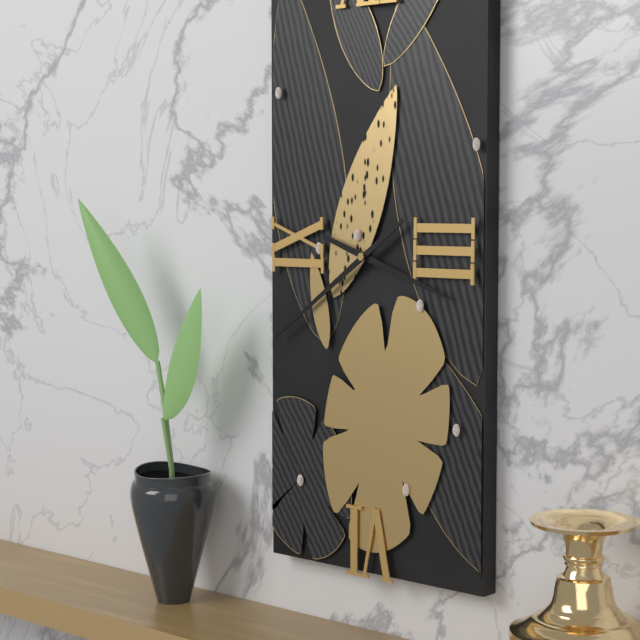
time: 3:39
